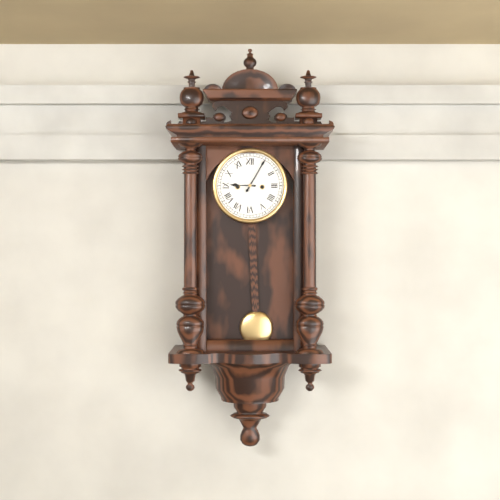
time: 9:05
